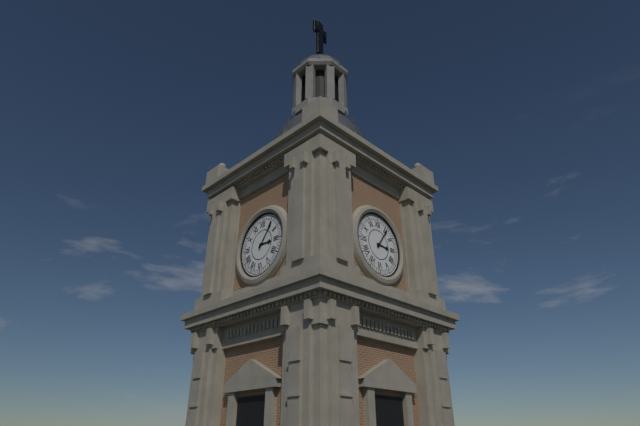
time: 3:06
